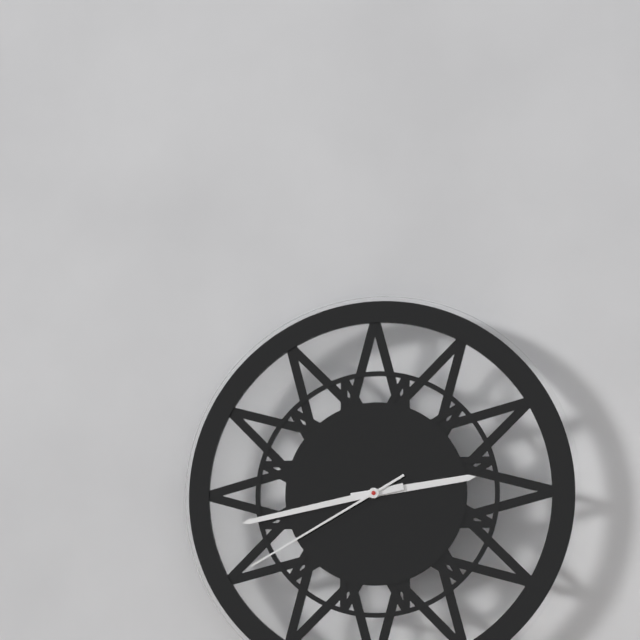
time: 2:43:40
